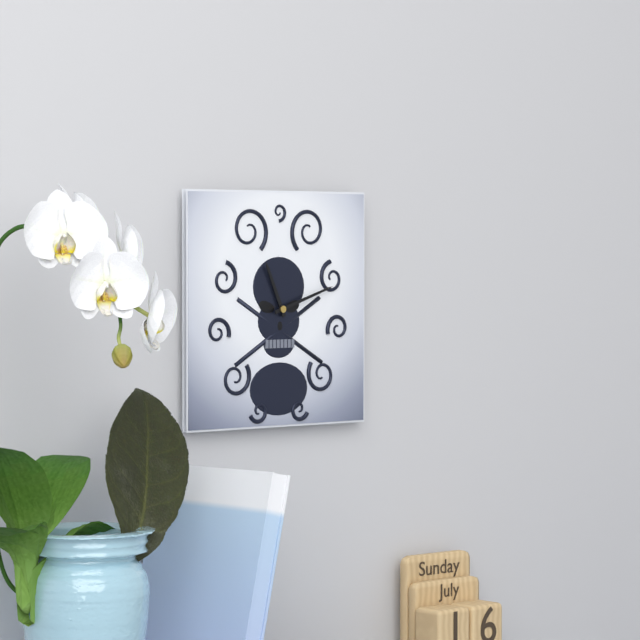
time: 11:12
